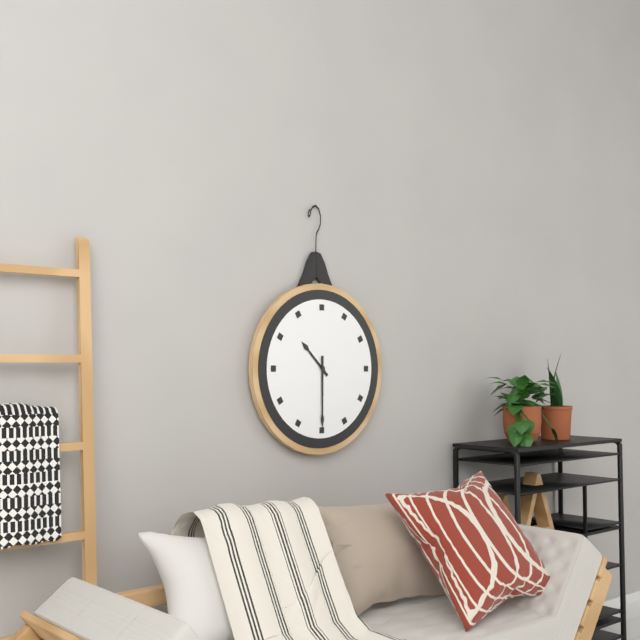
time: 10:30
